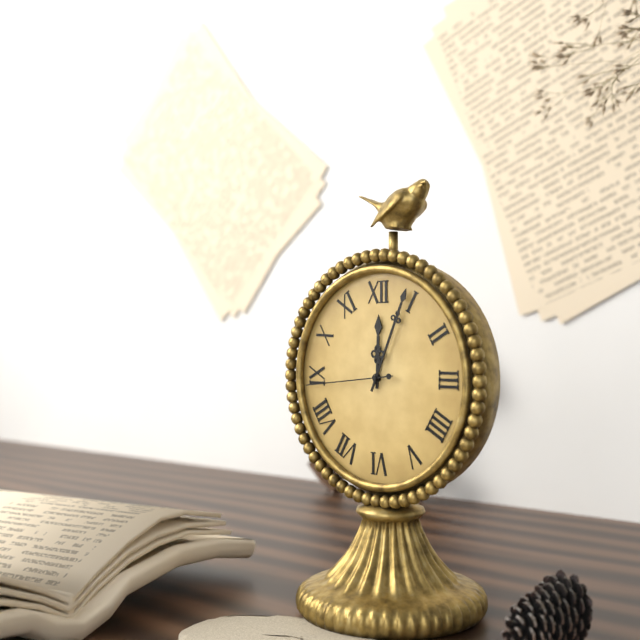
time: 12:04:44
